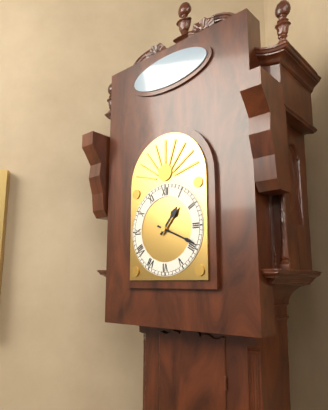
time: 1:19
